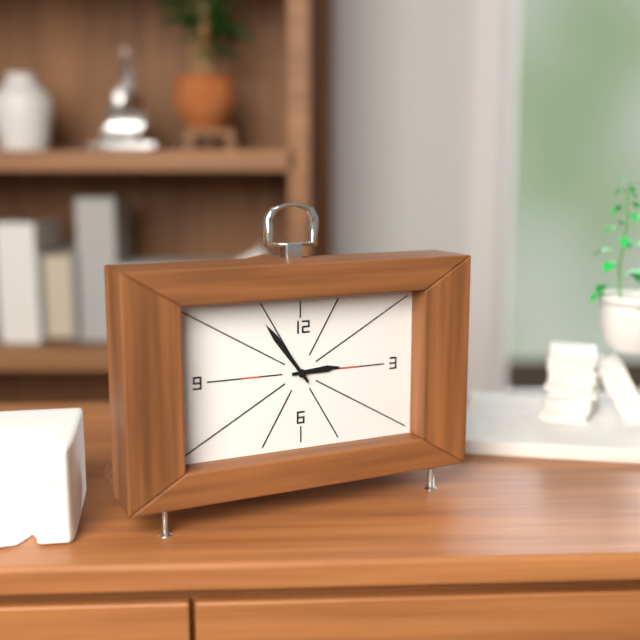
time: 2:54
